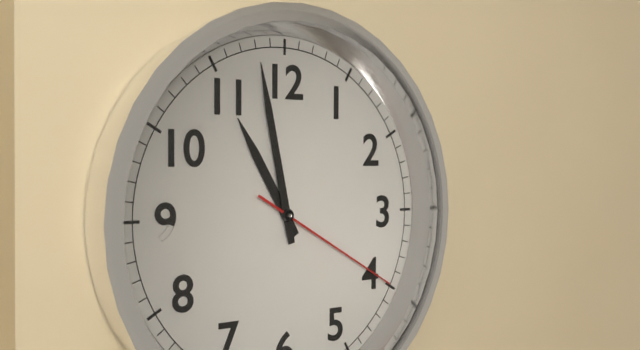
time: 10:58:20
